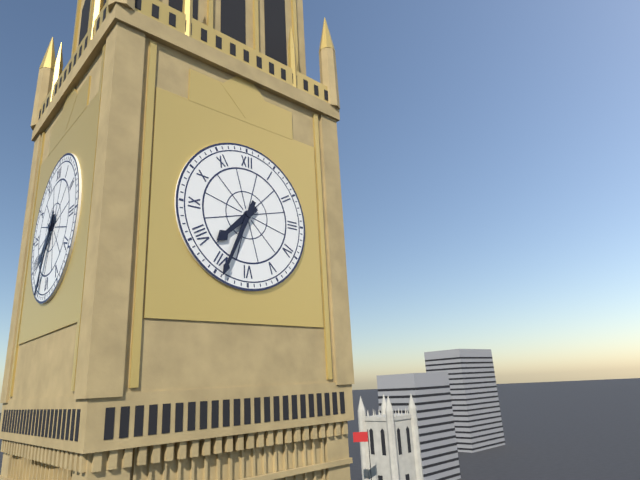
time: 7:34
